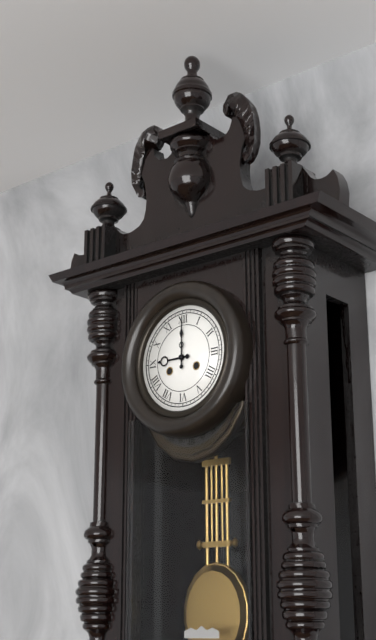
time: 9:00
